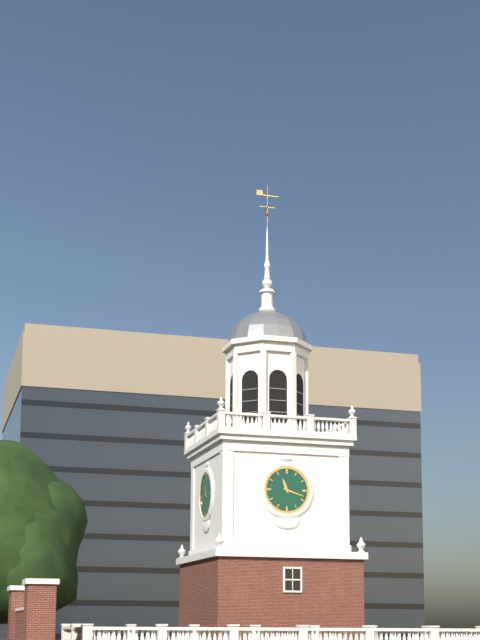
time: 11:18
